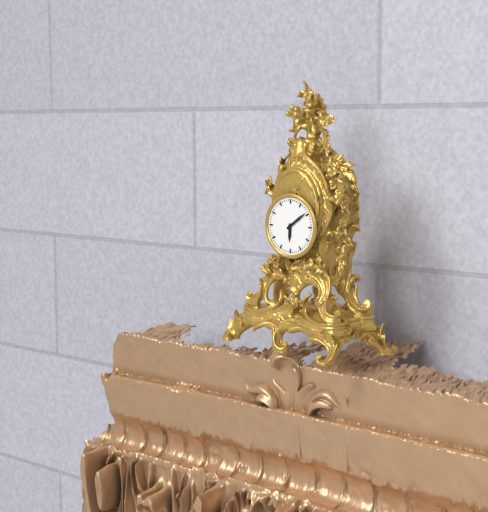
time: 6:09
